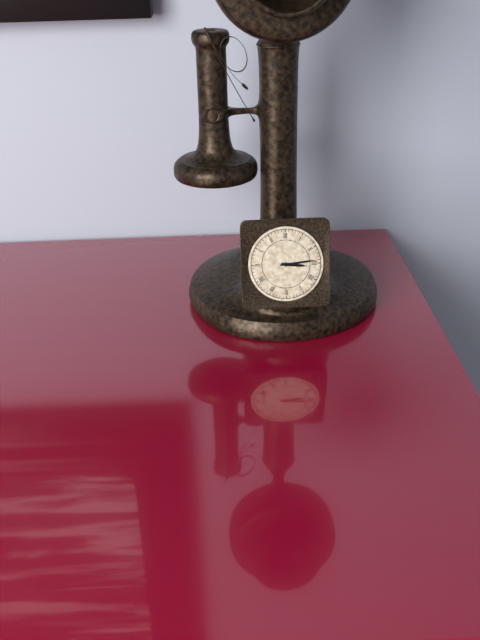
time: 3:14
